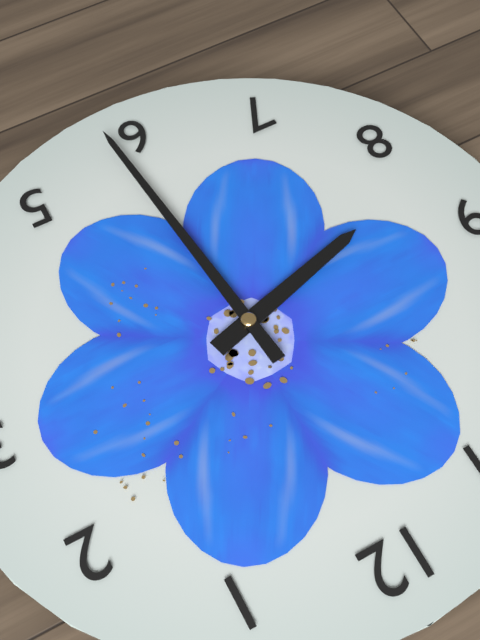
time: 8:29
